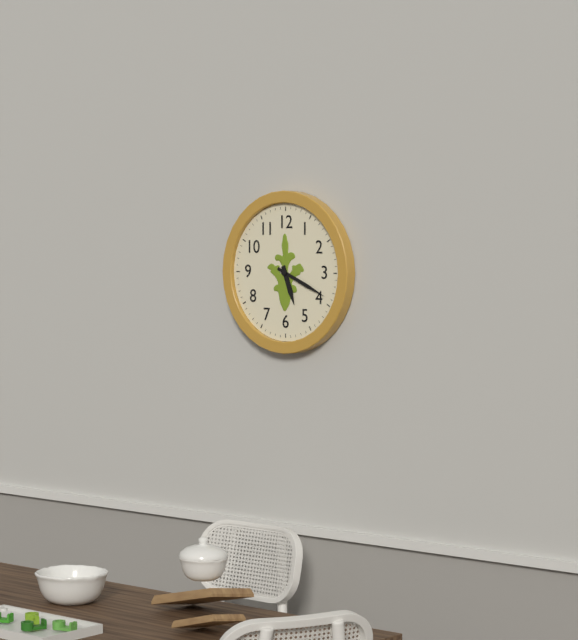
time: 5:19
